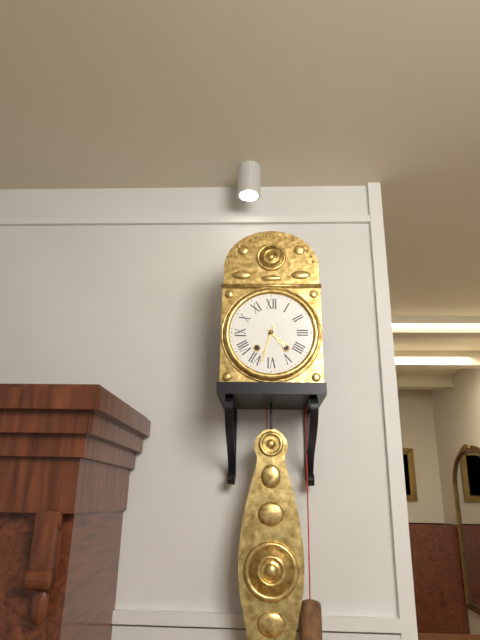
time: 4:33
